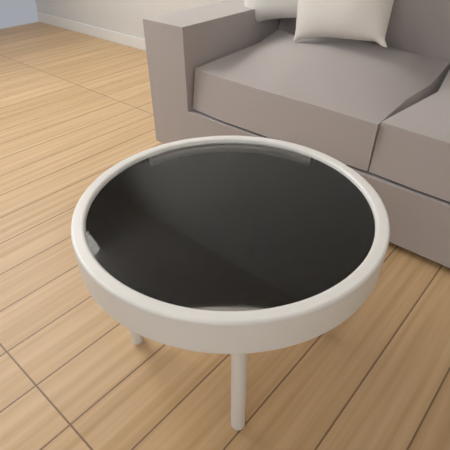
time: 10:48
